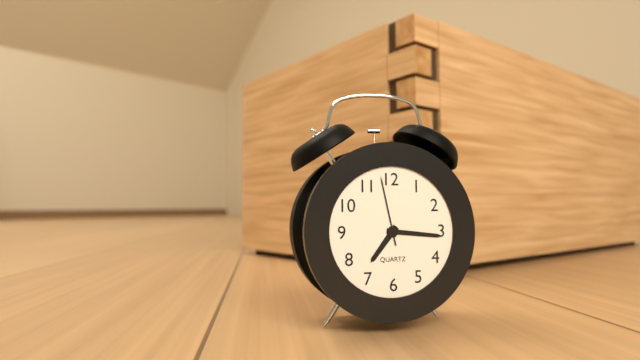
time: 7:16:58
